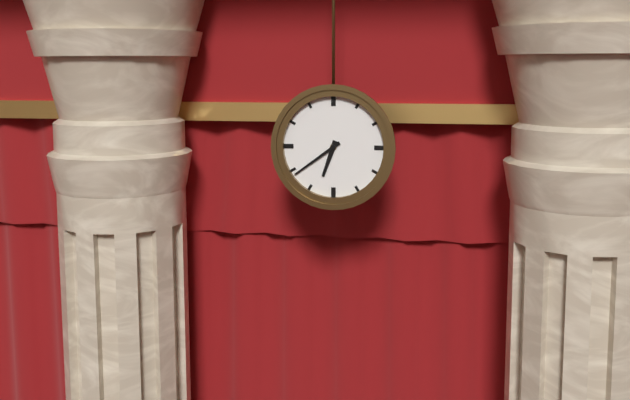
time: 6:39
